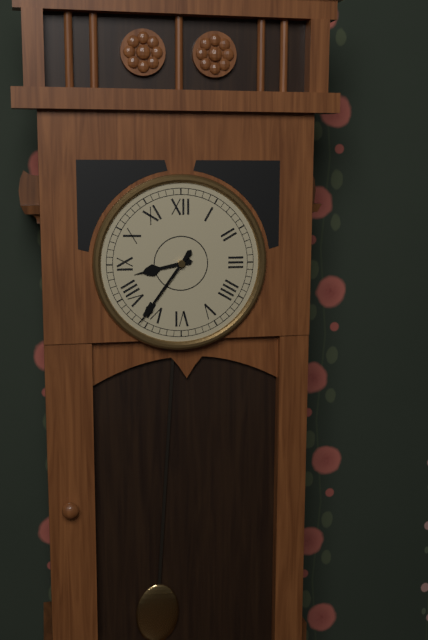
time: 8:36
